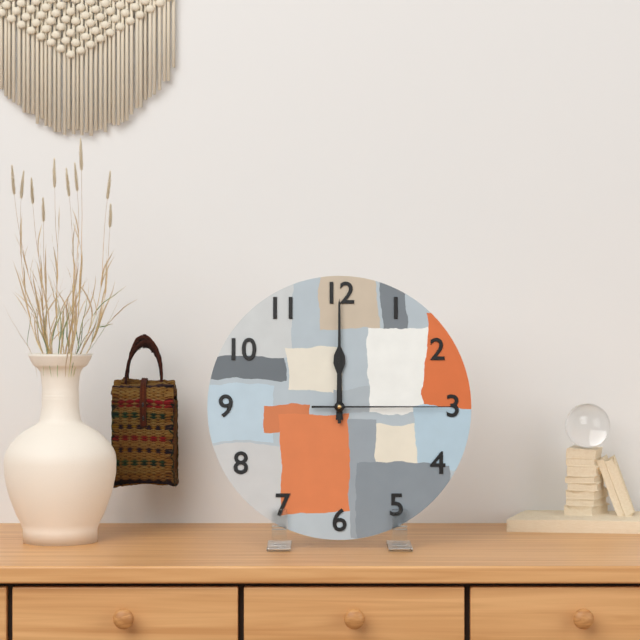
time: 12:00:15
